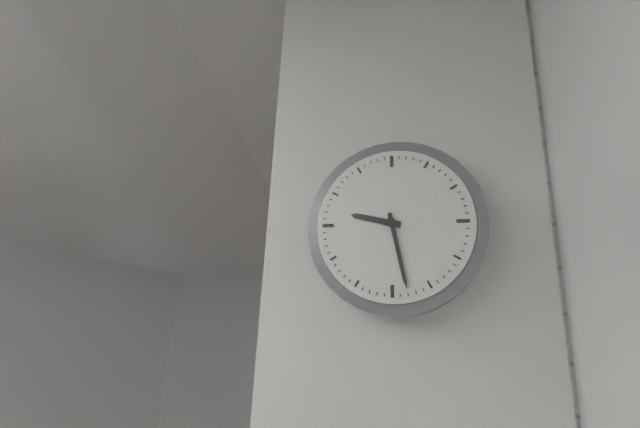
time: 9:28
